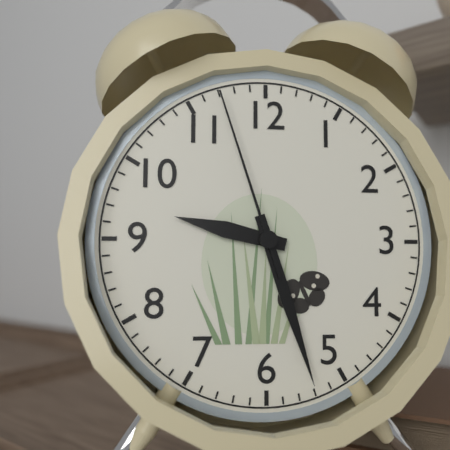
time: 9:27:57
